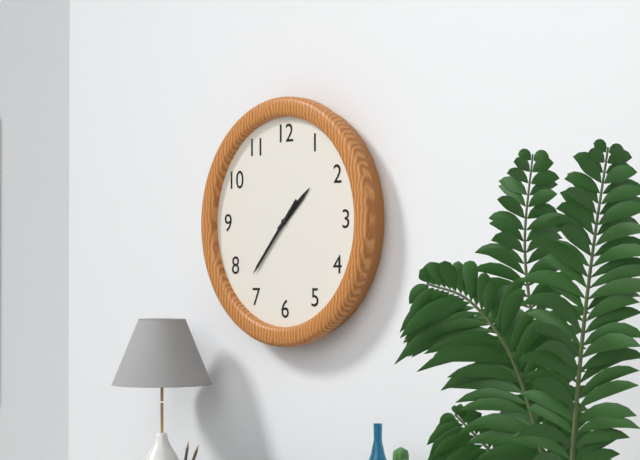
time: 1:37
